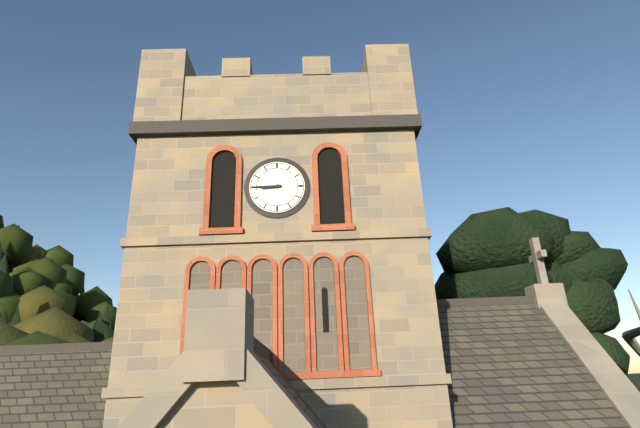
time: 8:45
